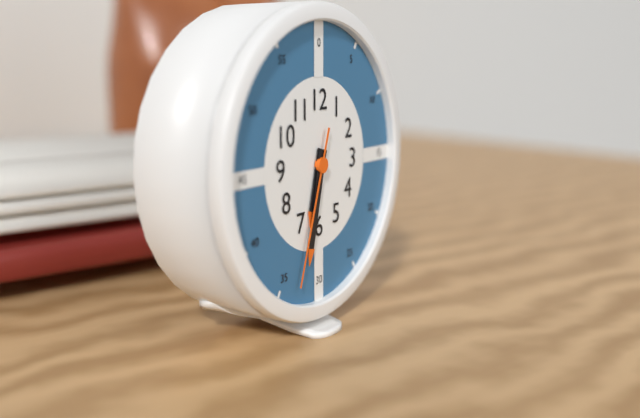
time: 6:32:33
